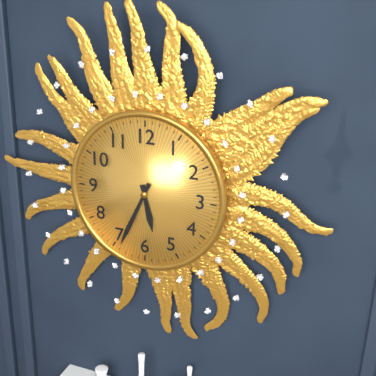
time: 5:34
